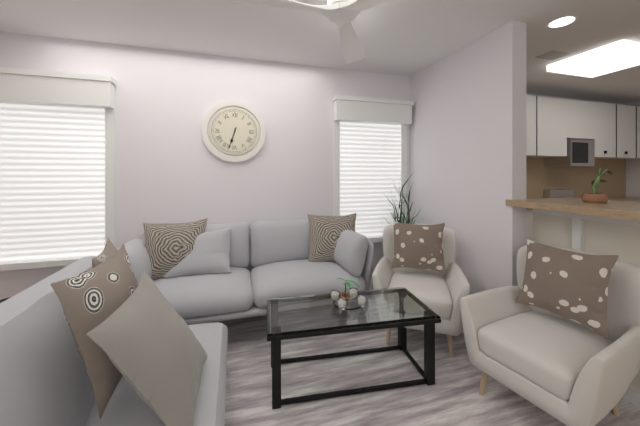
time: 6:33
